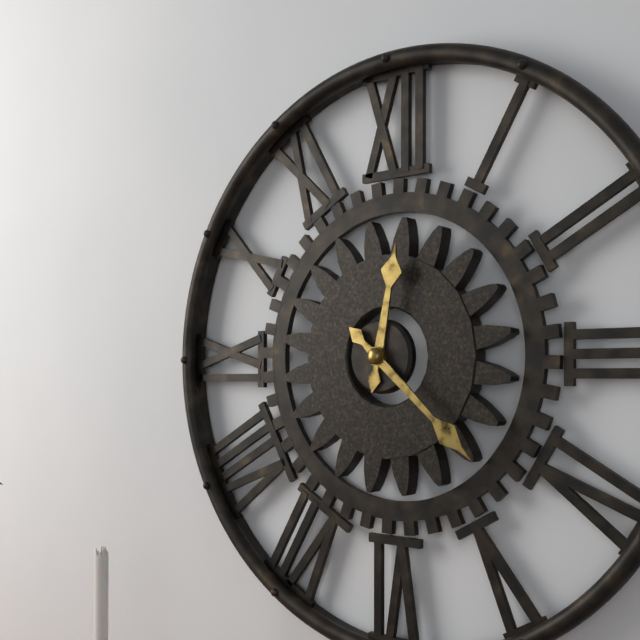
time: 12:22
